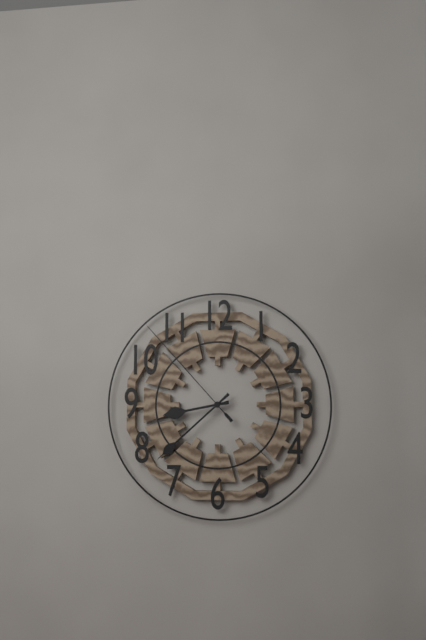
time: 8:38:53
